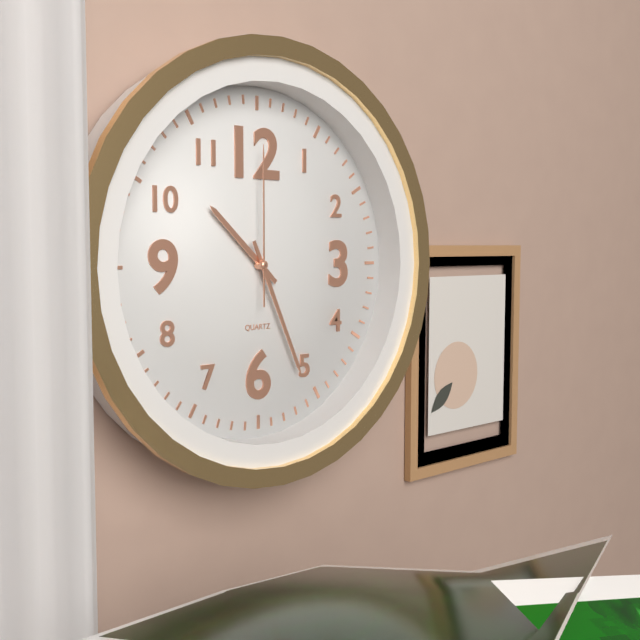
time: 10:26:00
